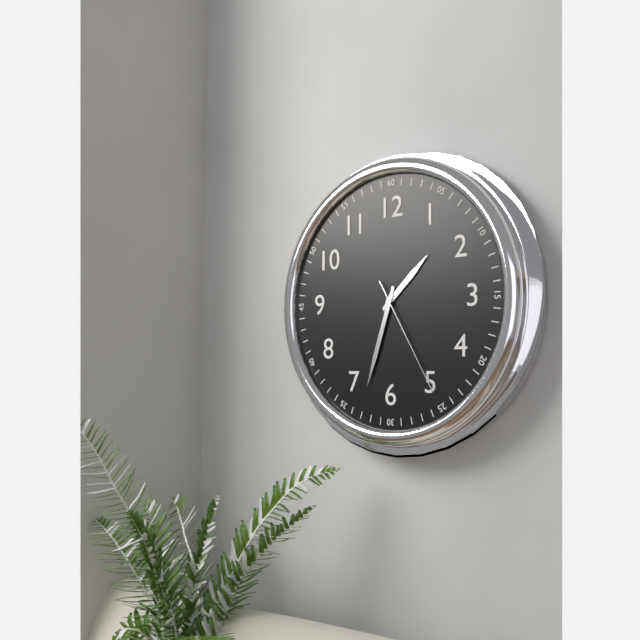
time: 1:33:25
